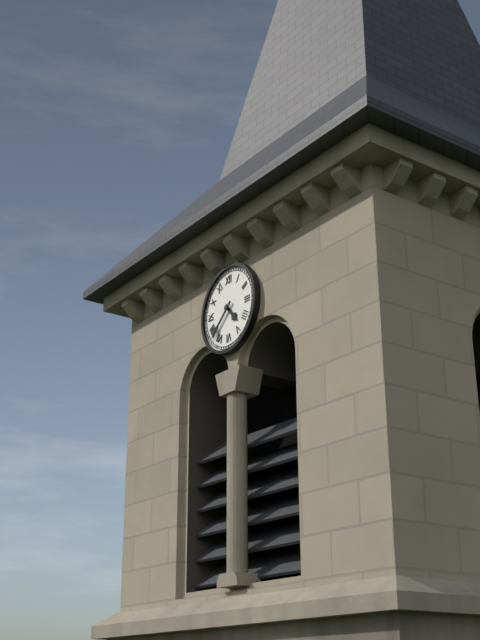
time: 4:38
